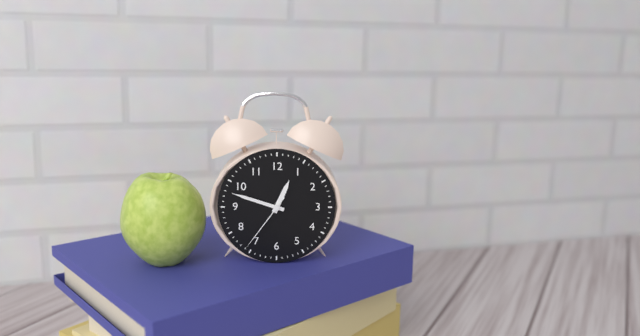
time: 12:48:36
